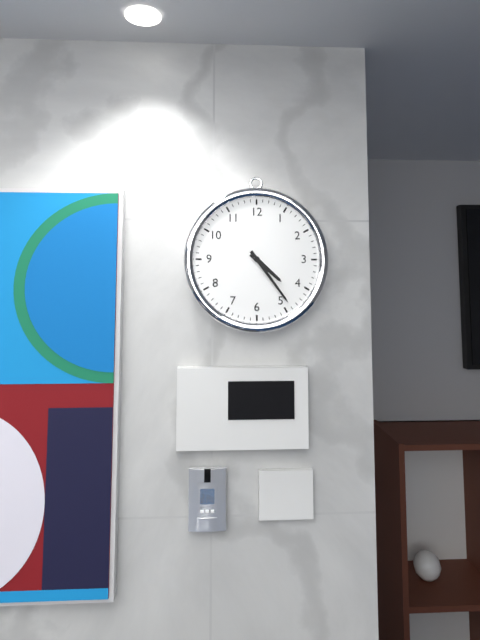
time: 4:24
